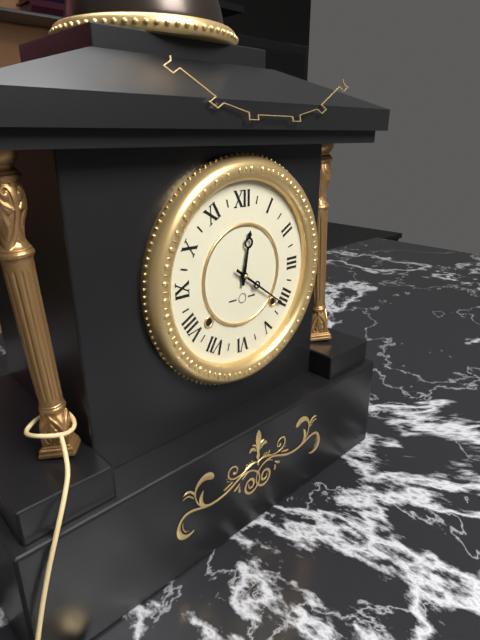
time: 12:21
